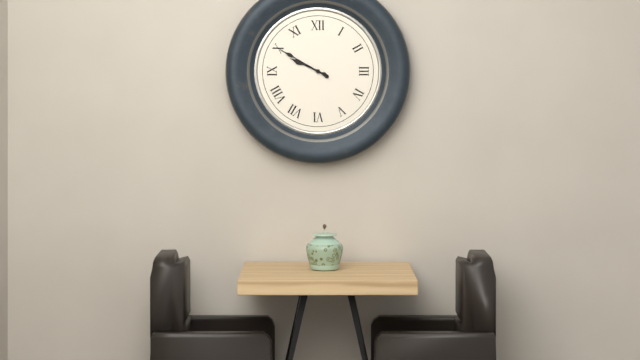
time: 9:50
